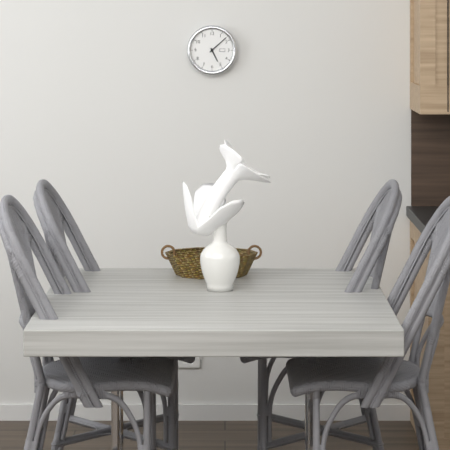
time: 5:08
